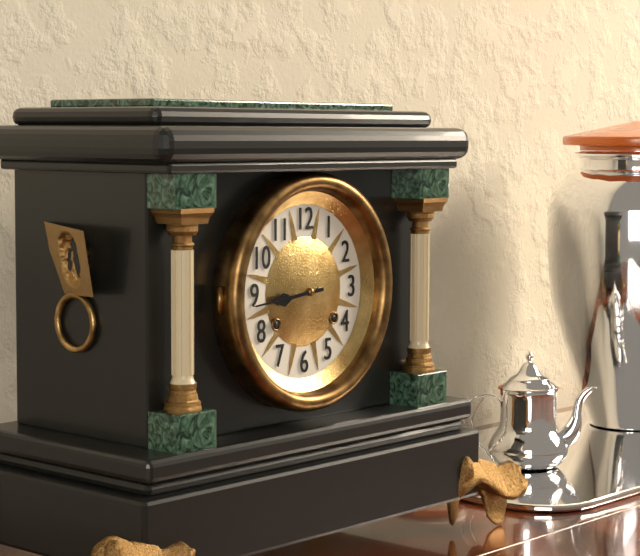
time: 8:44
